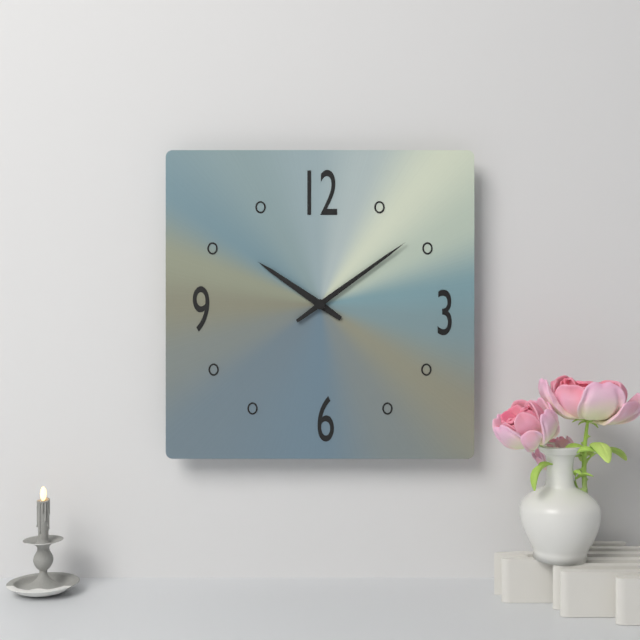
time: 10:09
